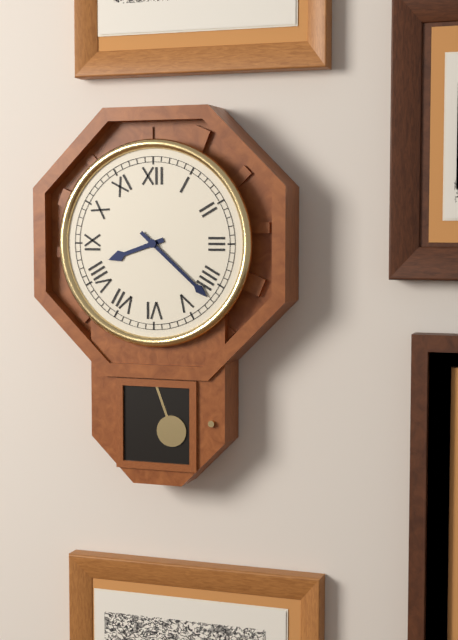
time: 8:22
